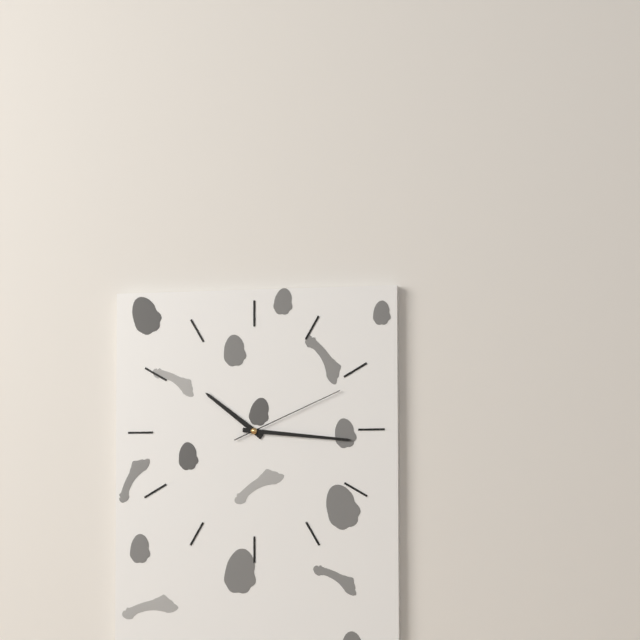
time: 10:16:11
